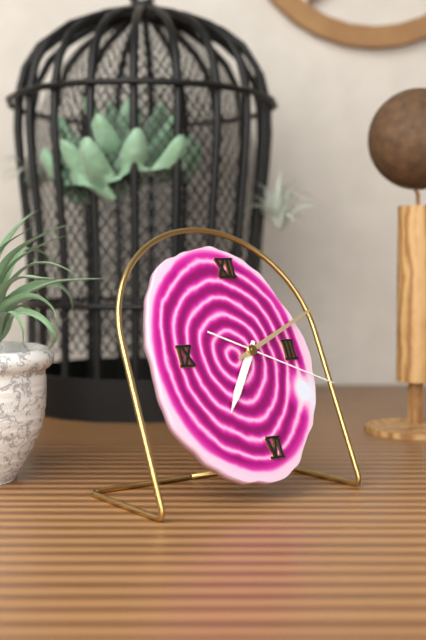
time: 7:11:19
